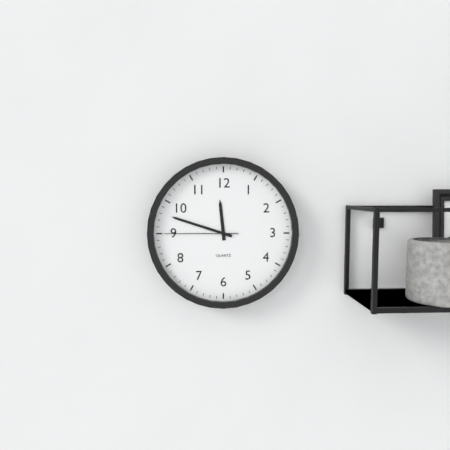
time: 11:48:45
